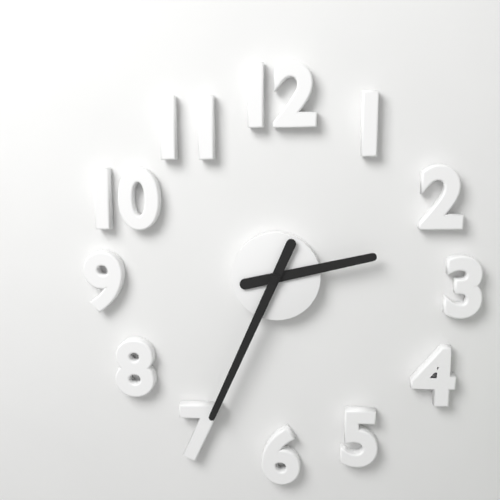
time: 2:34
